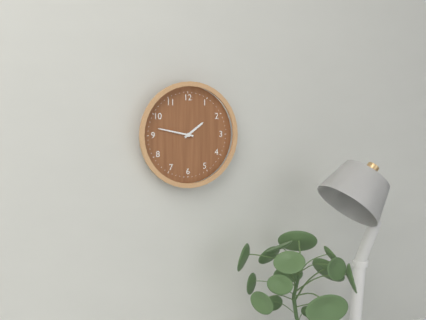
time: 1:47
